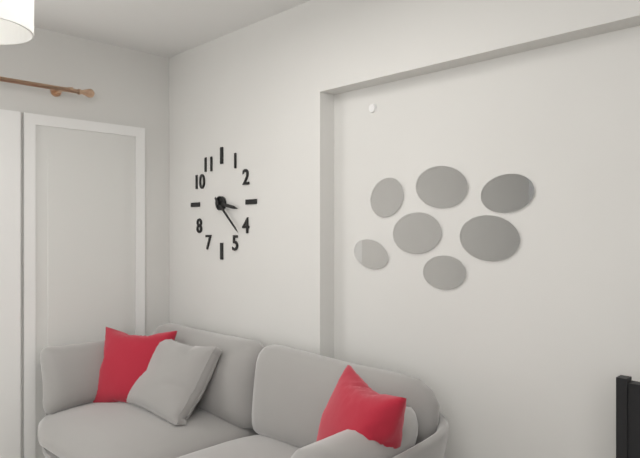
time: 3:22
